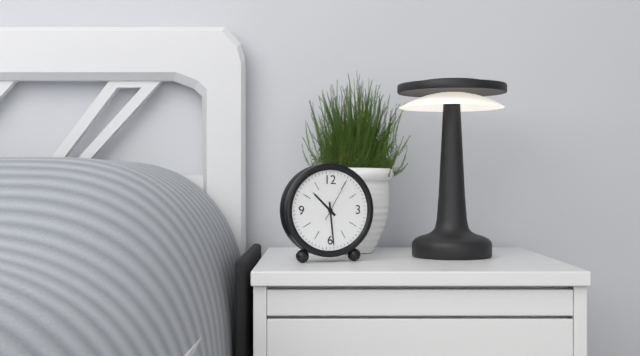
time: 10:29
